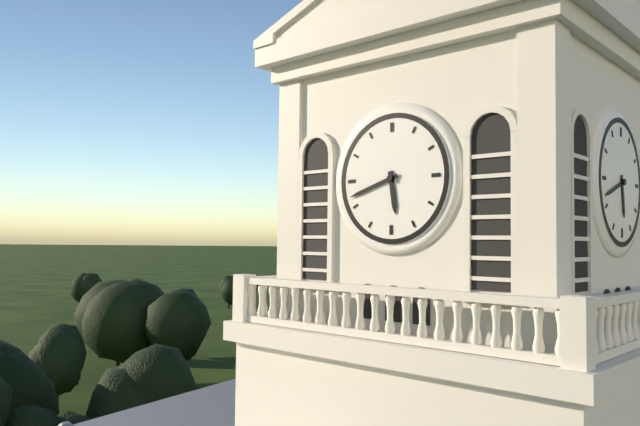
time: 5:42
